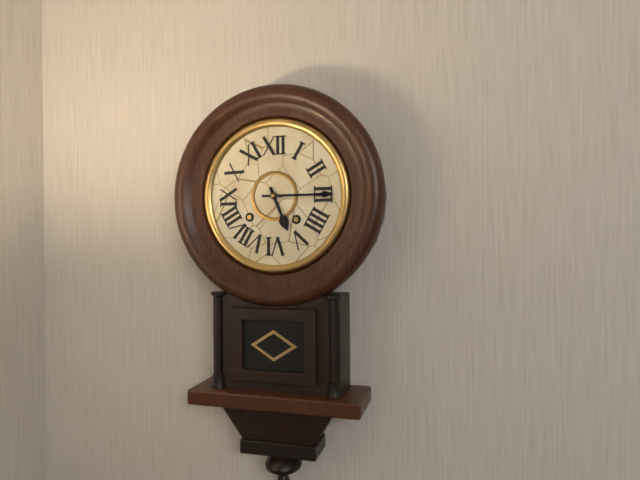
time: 5:15
